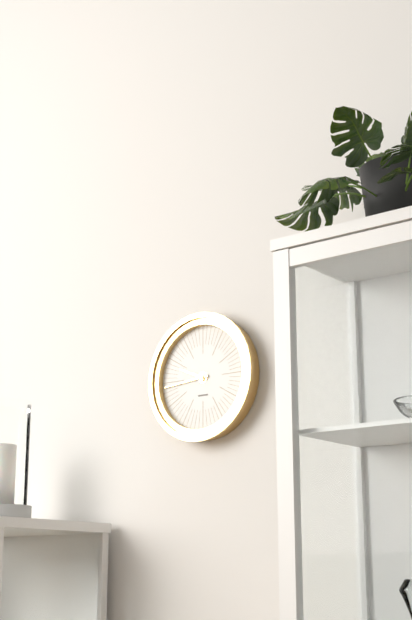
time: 9:44
